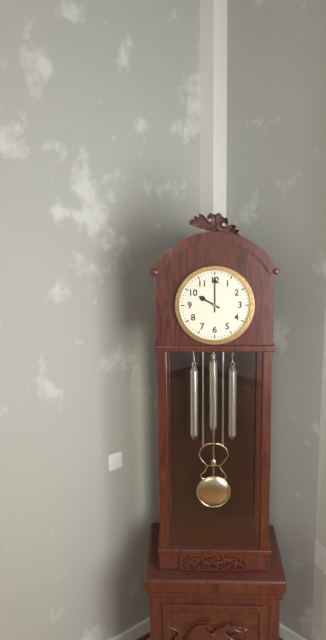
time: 10:00
